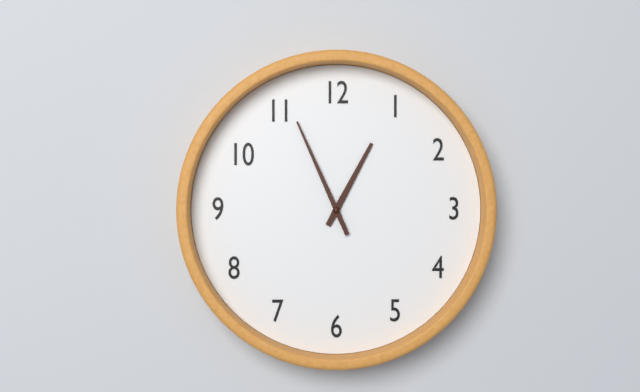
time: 12:56
